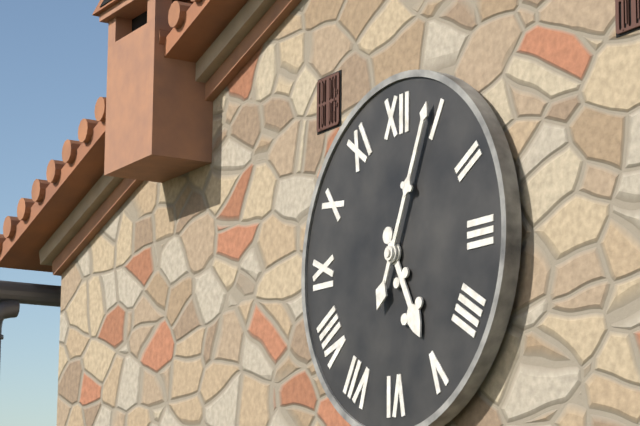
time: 5:04
